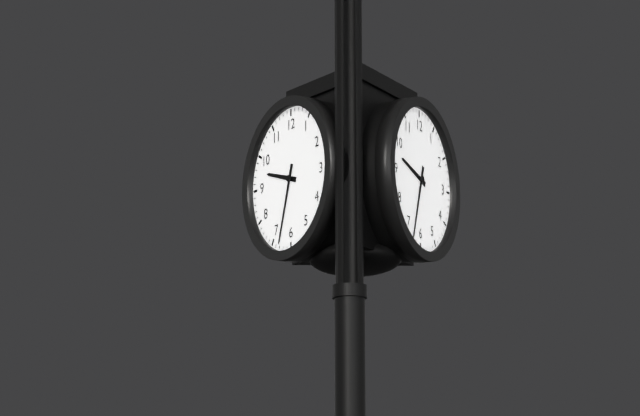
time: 9:33
